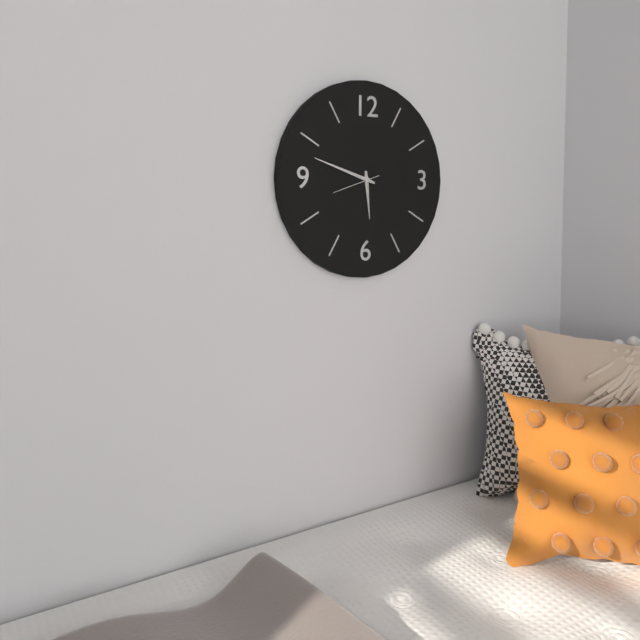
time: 5:48
